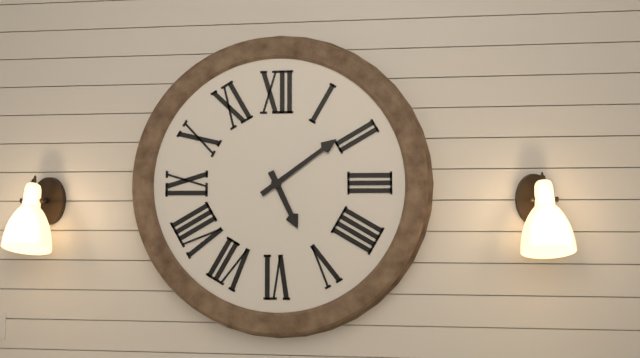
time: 5:09
